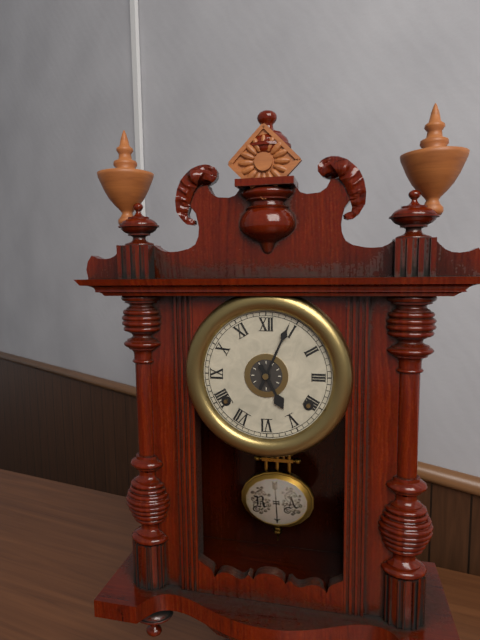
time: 5:04
